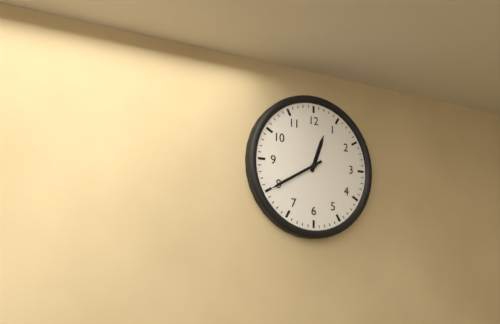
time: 12:40
